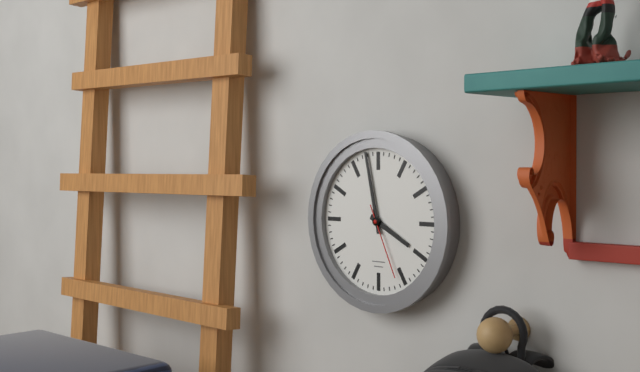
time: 3:58:26
